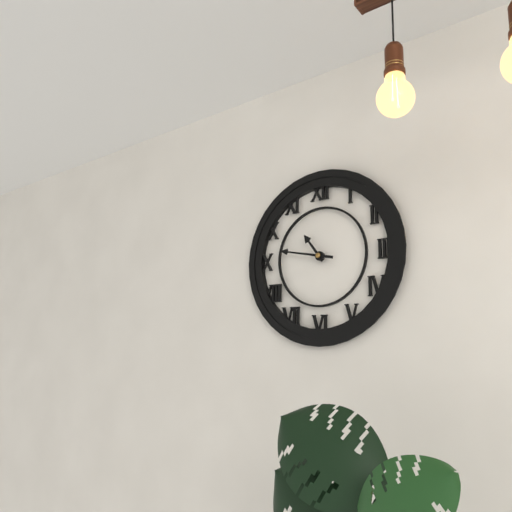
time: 10:47
